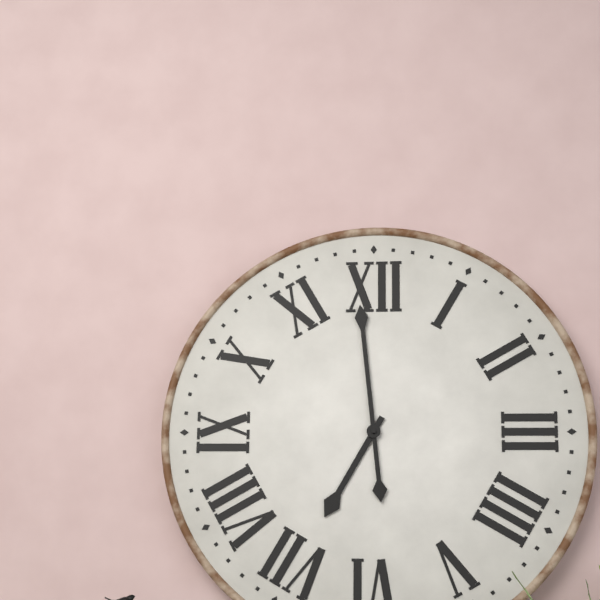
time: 6:59
